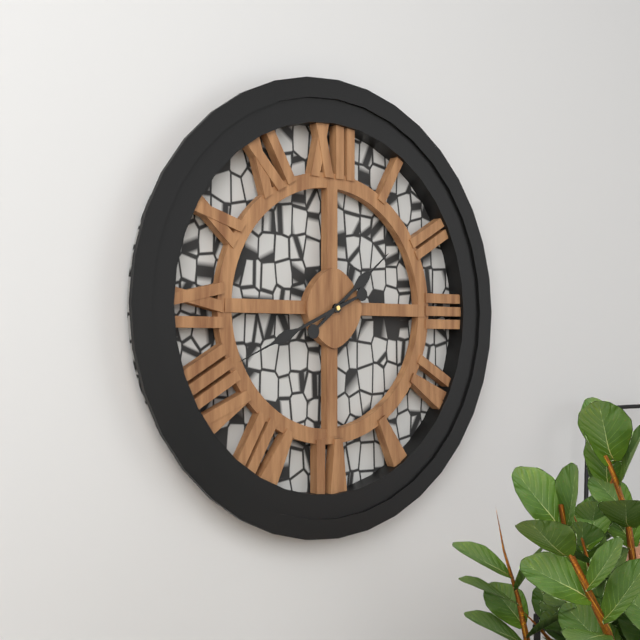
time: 1:41
